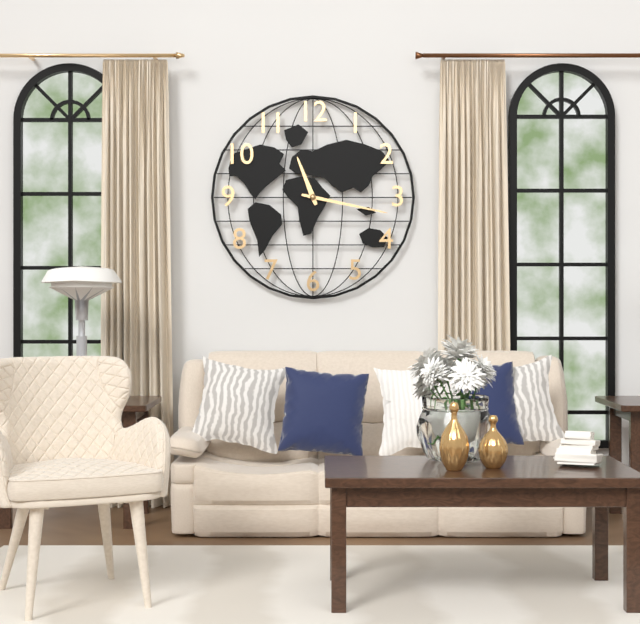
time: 11:17
